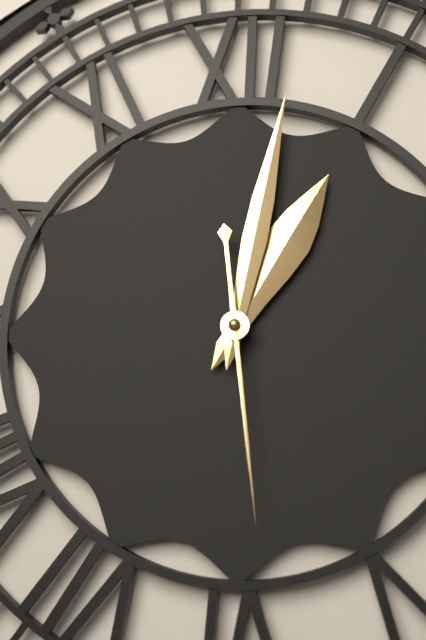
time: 1:02:29
